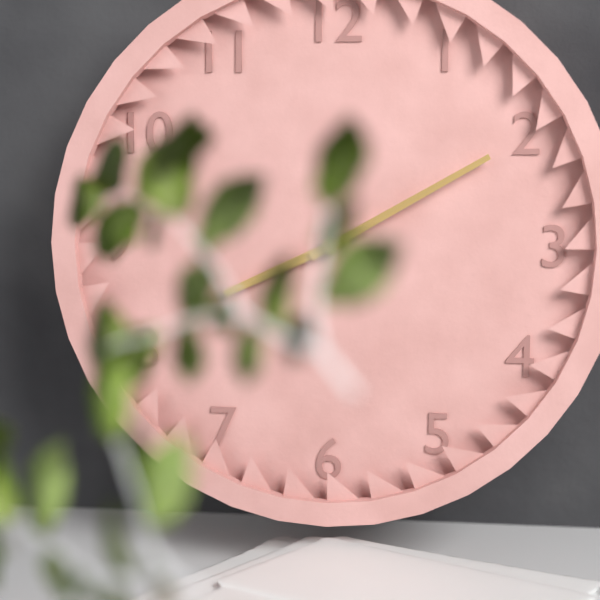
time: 8:10
